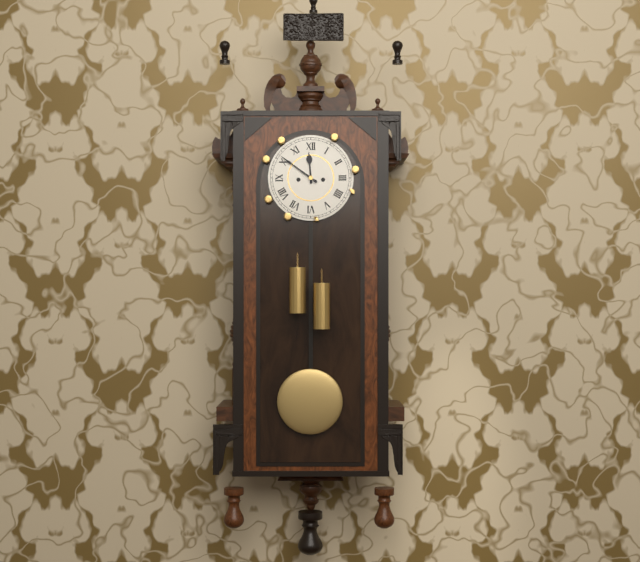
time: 11:51
